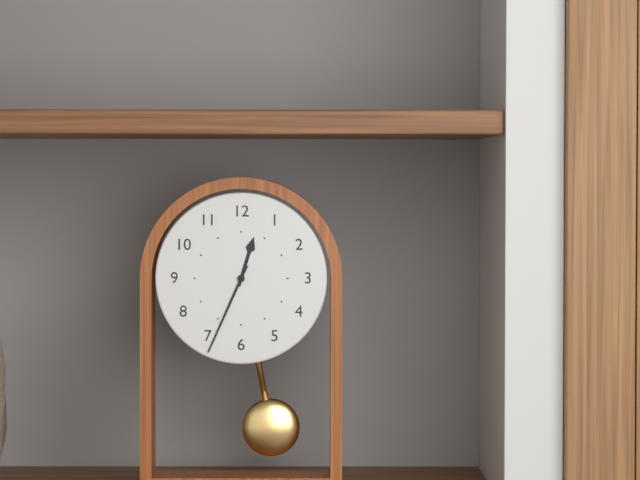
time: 12:34
